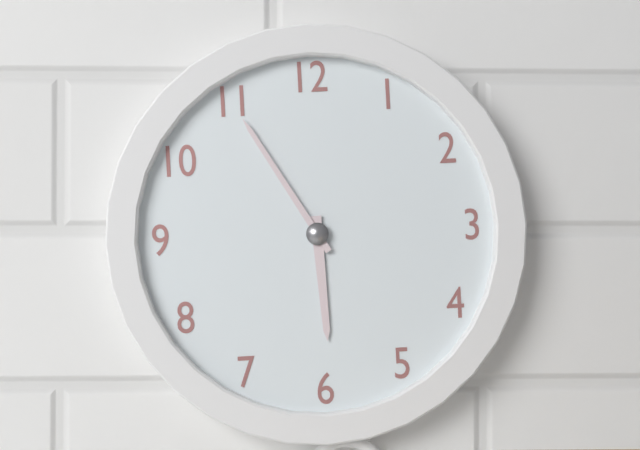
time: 5:55
